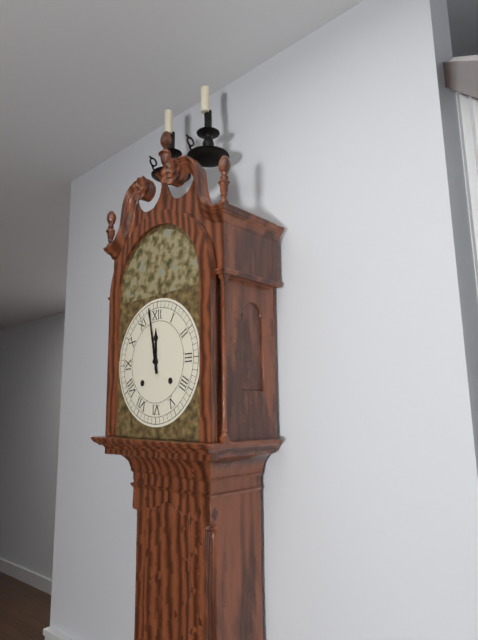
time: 11:58
